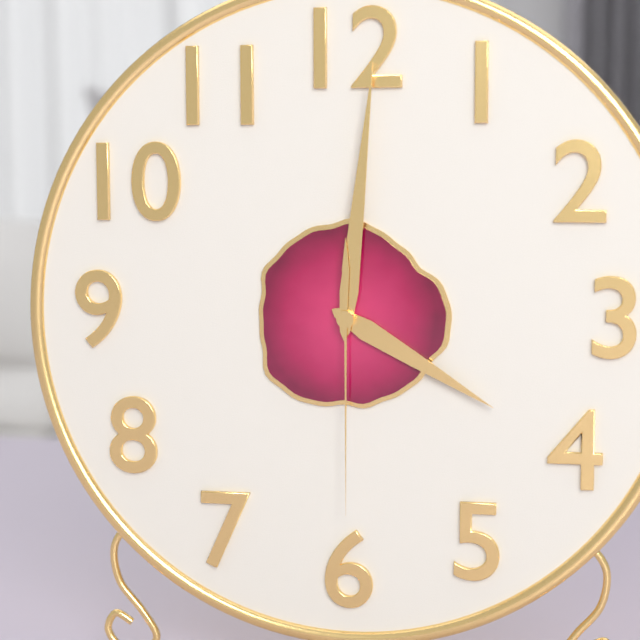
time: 4:01:30
